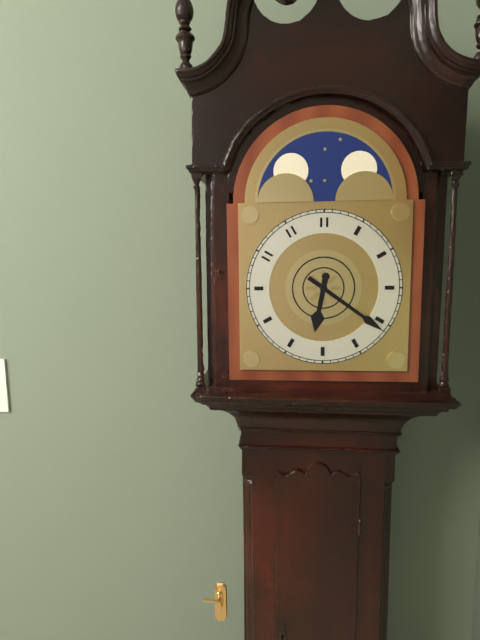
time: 6:21
